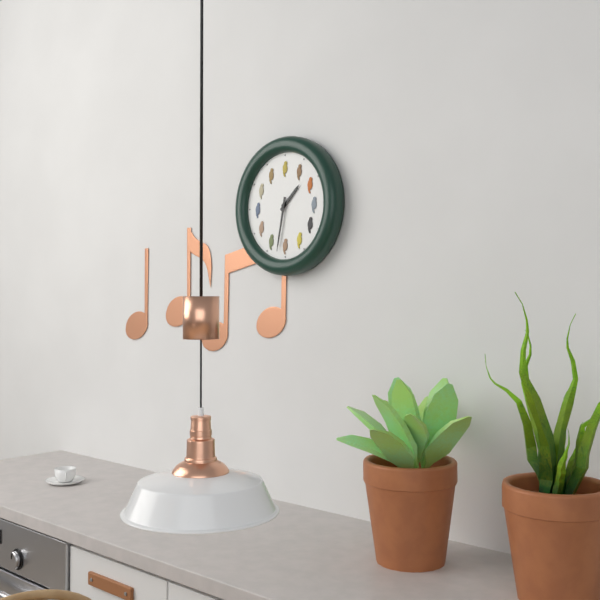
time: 1:32
